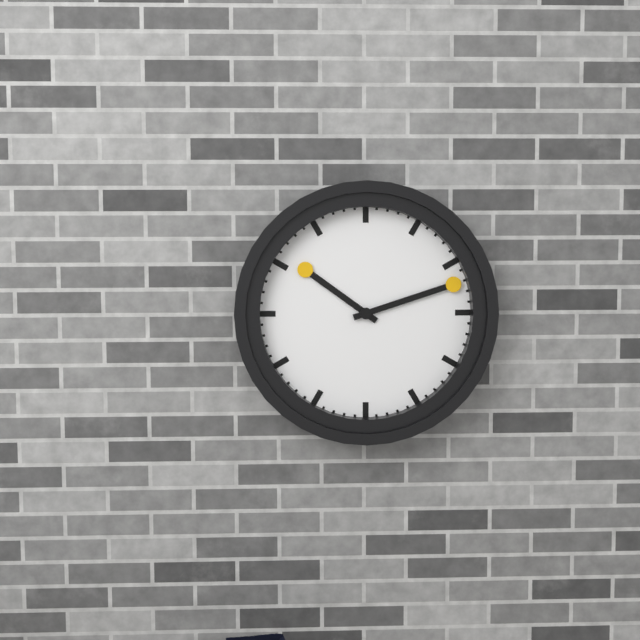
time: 10:12
